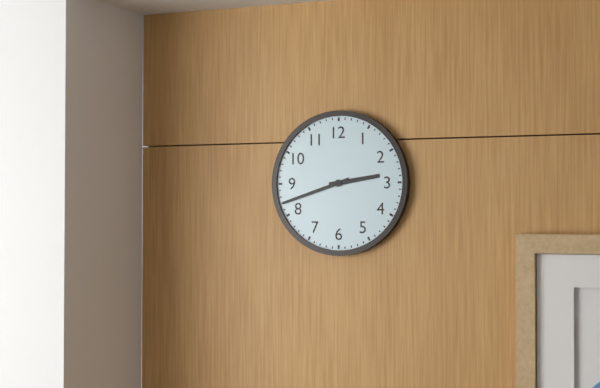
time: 2:42
